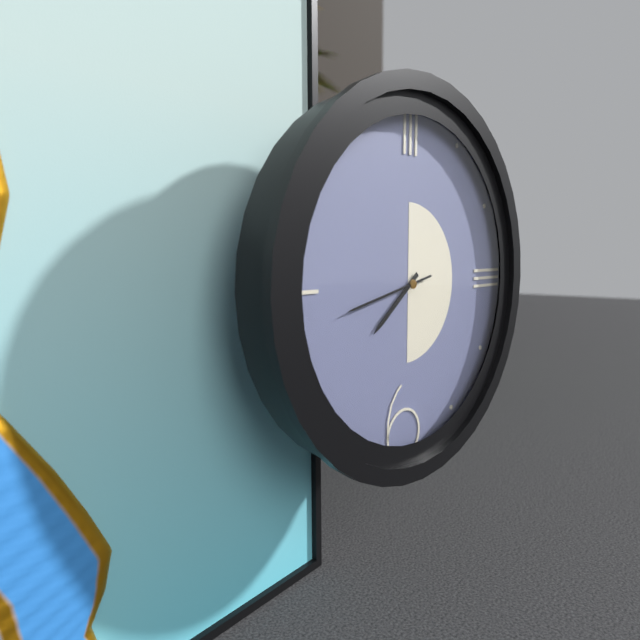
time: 7:43
